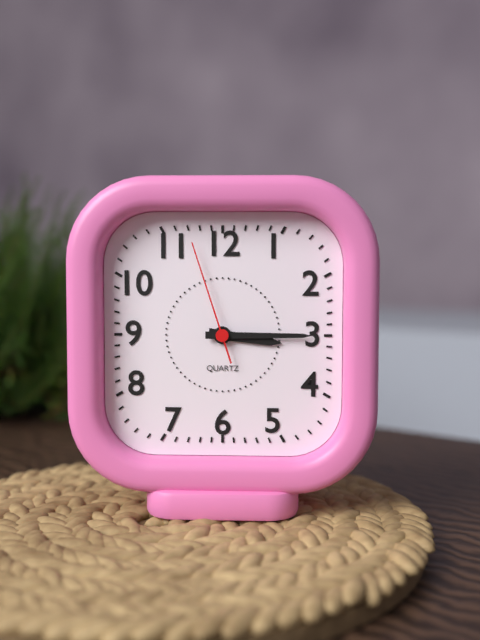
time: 3:15:57
